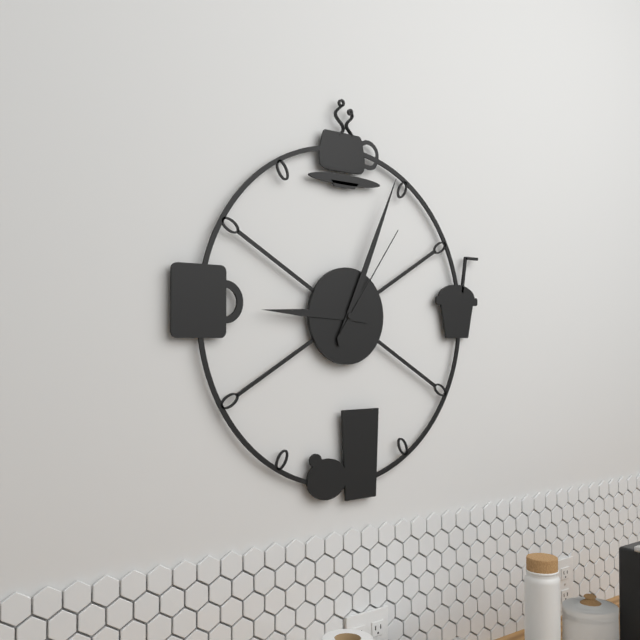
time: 9:04:06
